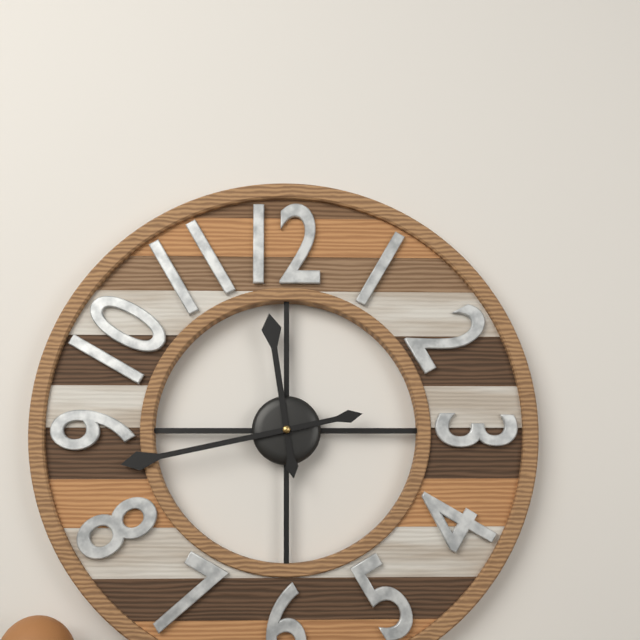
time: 11:43
